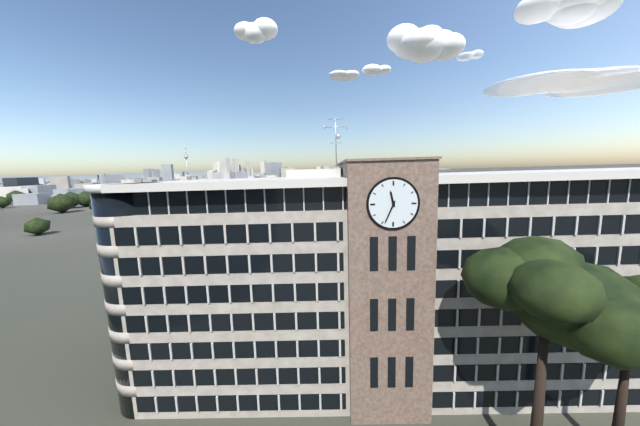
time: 11:34
